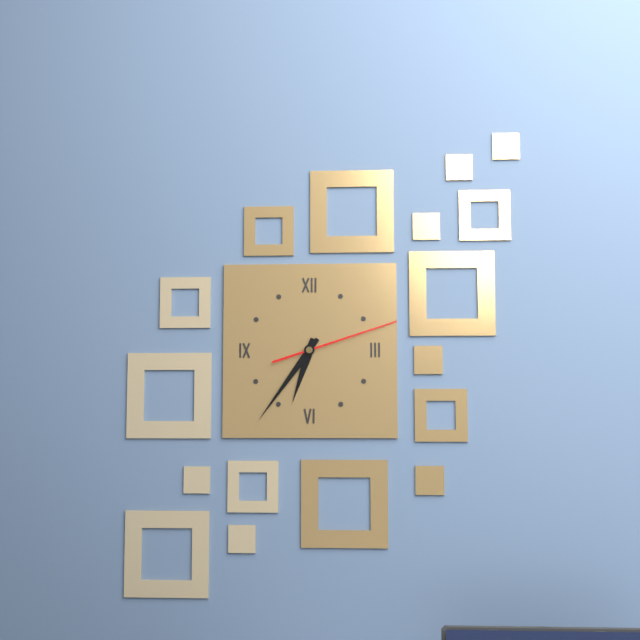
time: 6:36:12
